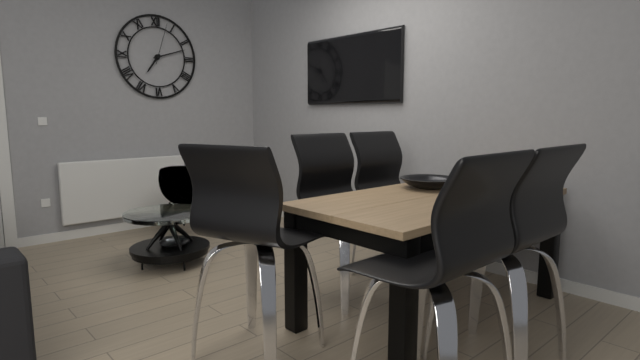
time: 7:12
